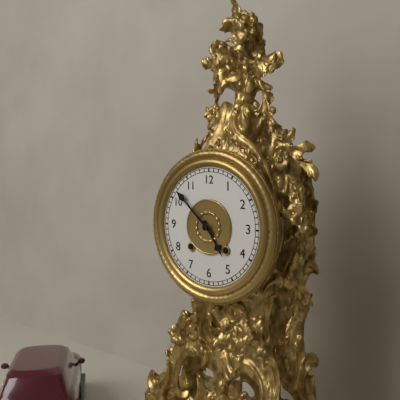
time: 4:52
